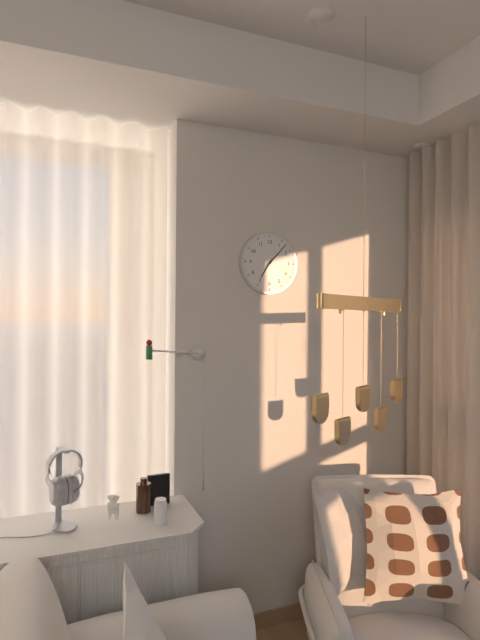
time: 7:07
